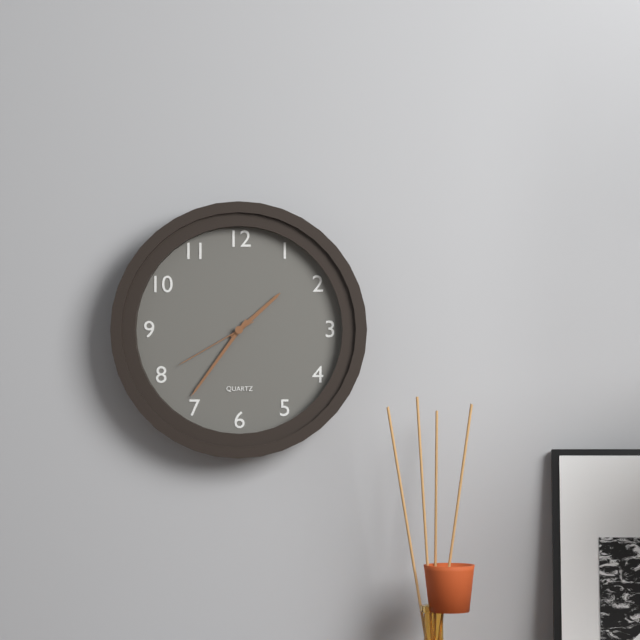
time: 1:36:40
